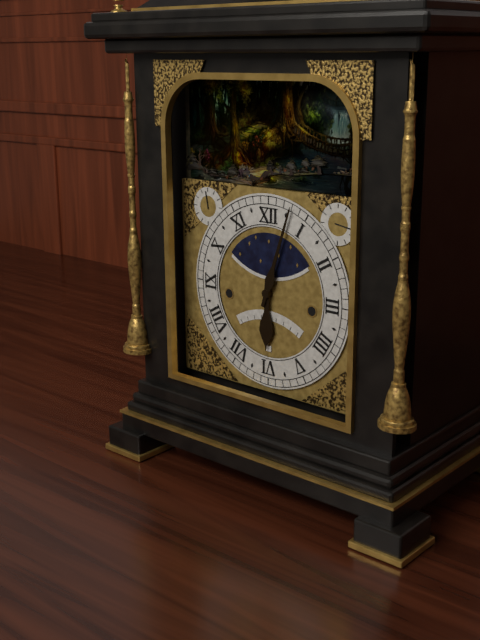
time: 6:03
